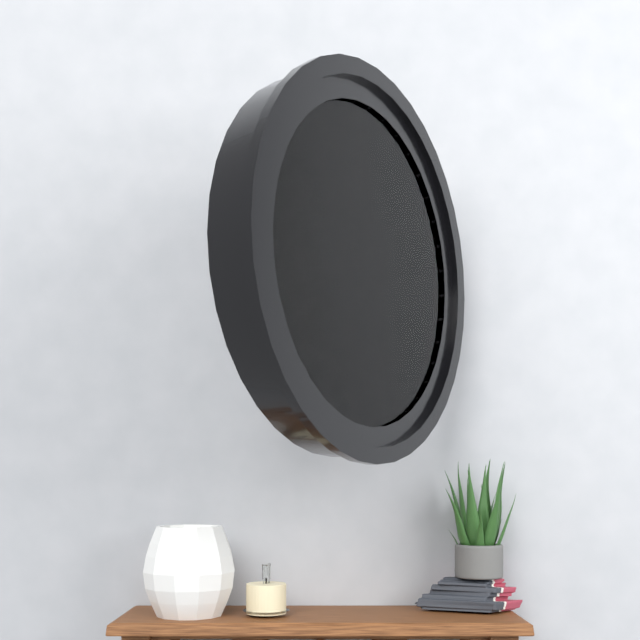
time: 9:00:47
